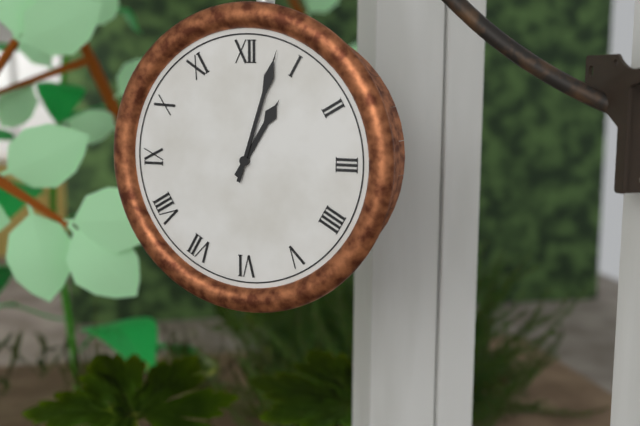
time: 1:03
